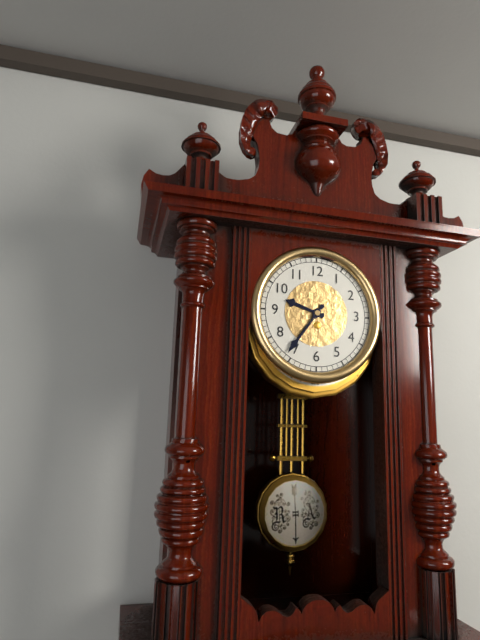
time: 9:36
